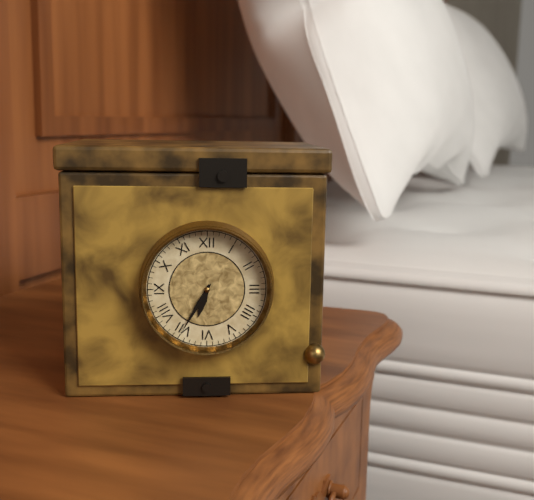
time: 6:35
